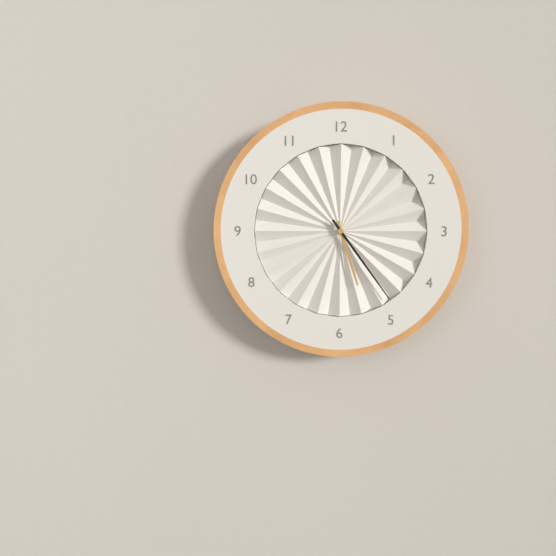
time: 5:24
